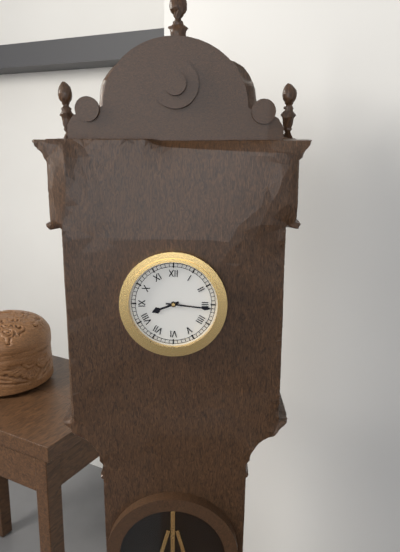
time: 8:16
